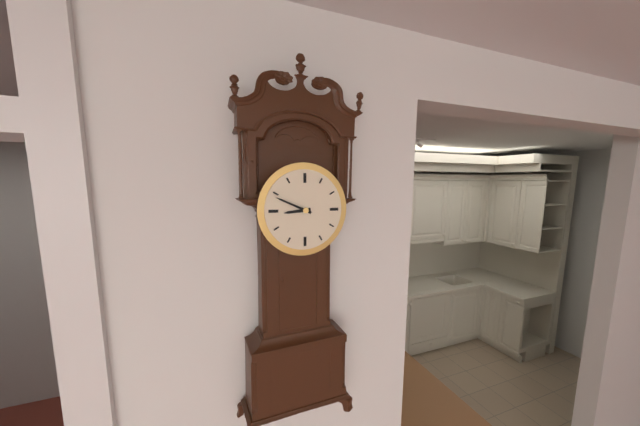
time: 8:49
